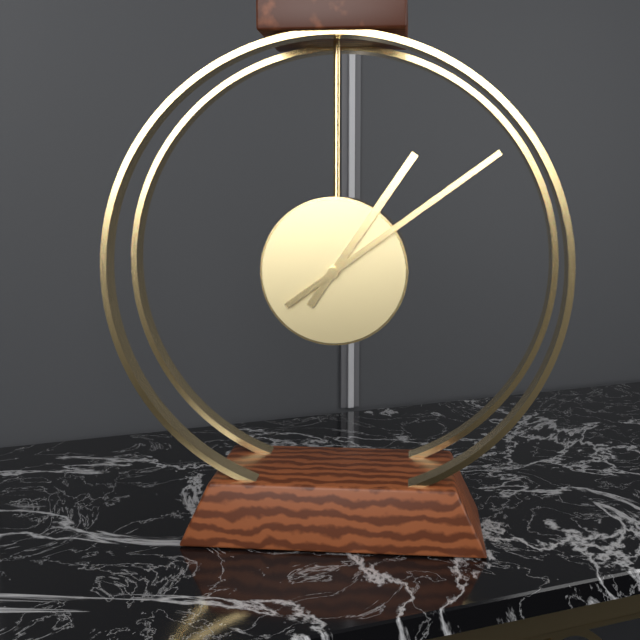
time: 1:09
